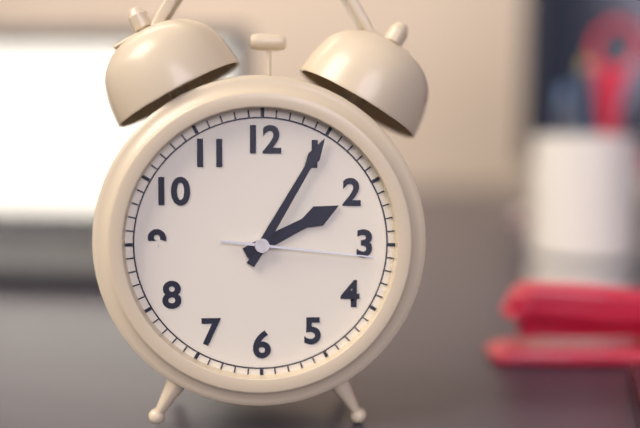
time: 2:05:16
